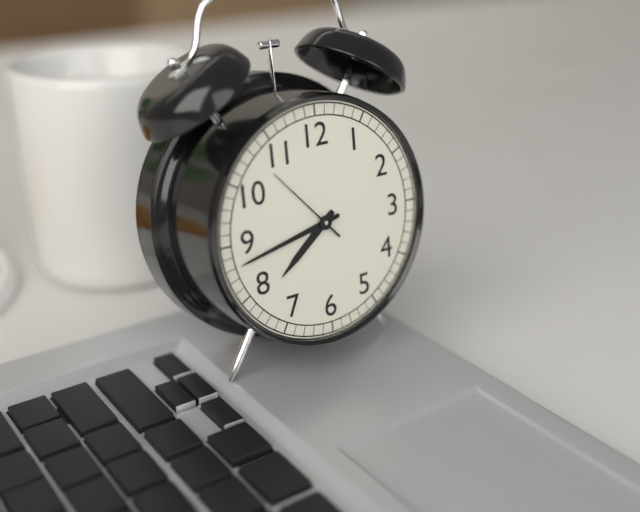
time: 7:43:53
